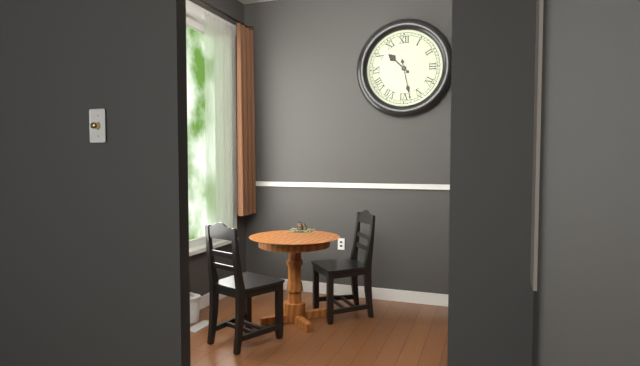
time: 10:28
